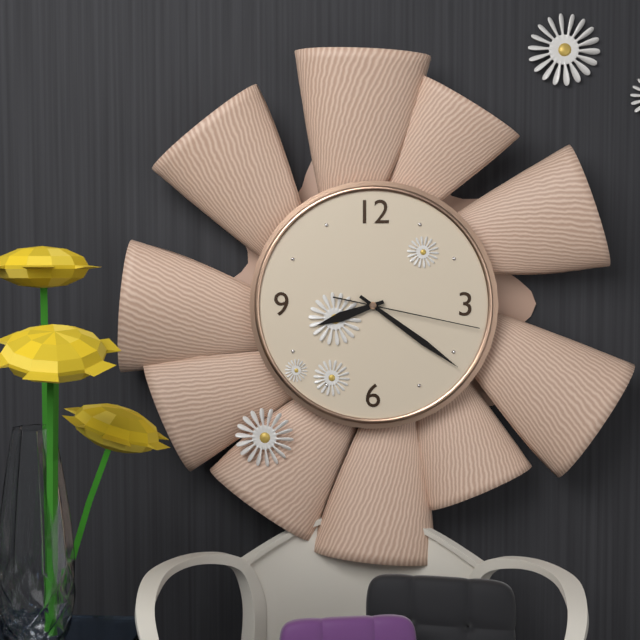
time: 8:21:17
